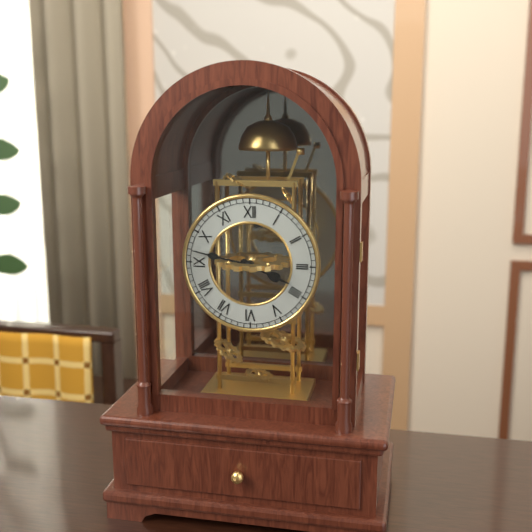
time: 3:47
